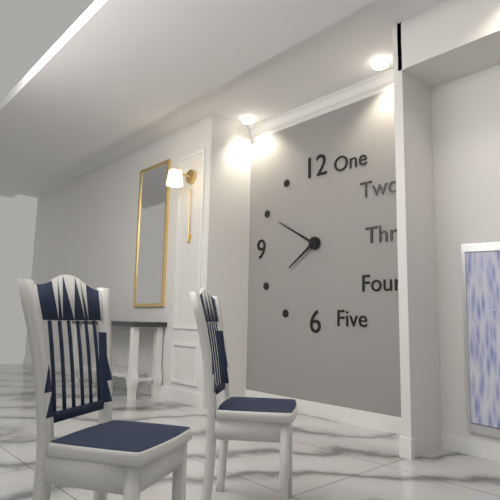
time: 7:50
